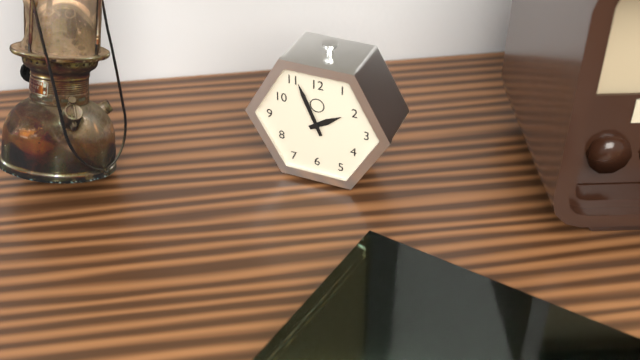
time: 1:56
